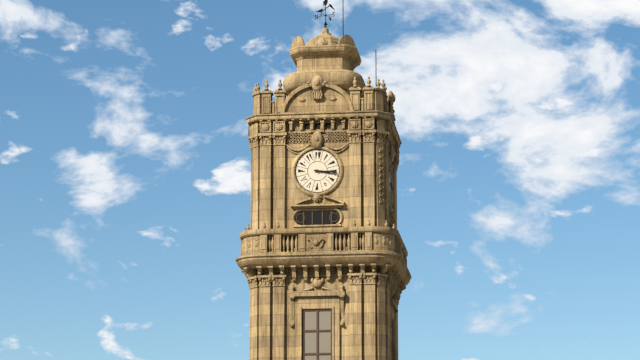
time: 3:16
